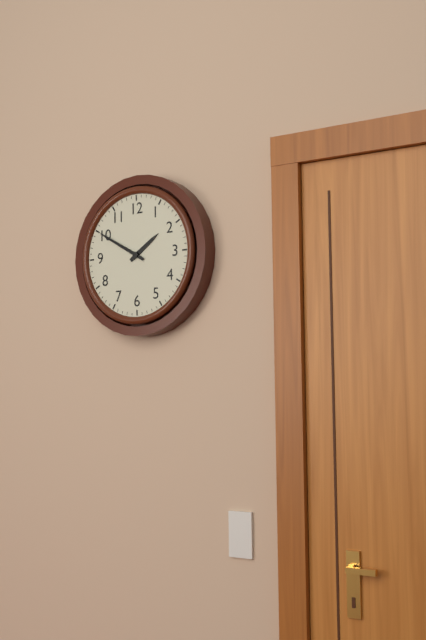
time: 1:50
